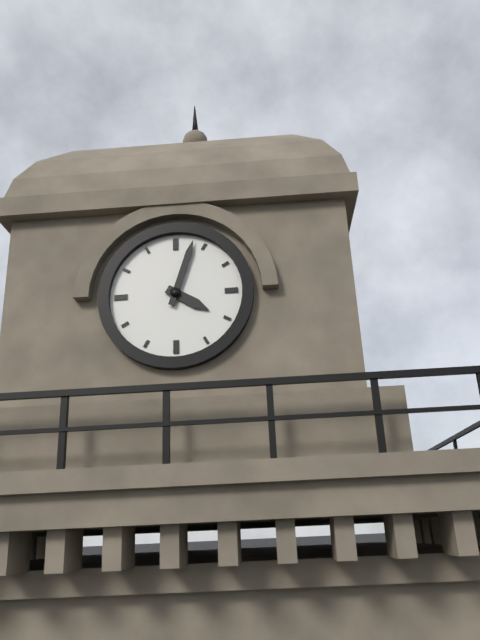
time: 4:03
